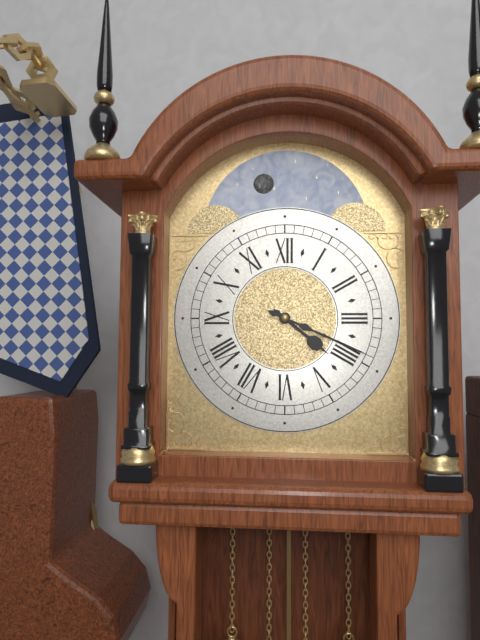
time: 4:19
